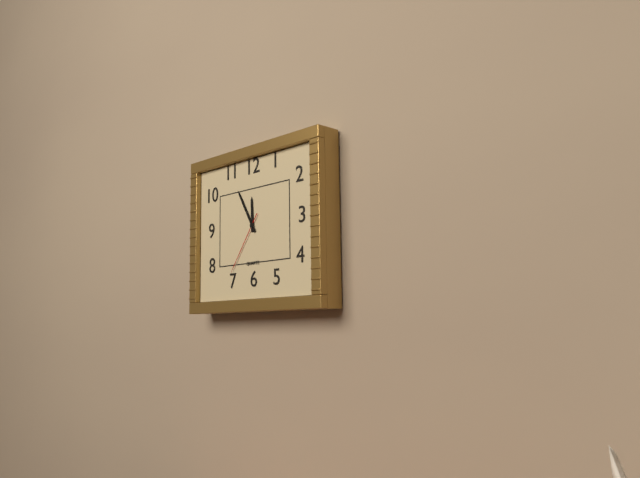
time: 11:55:36
